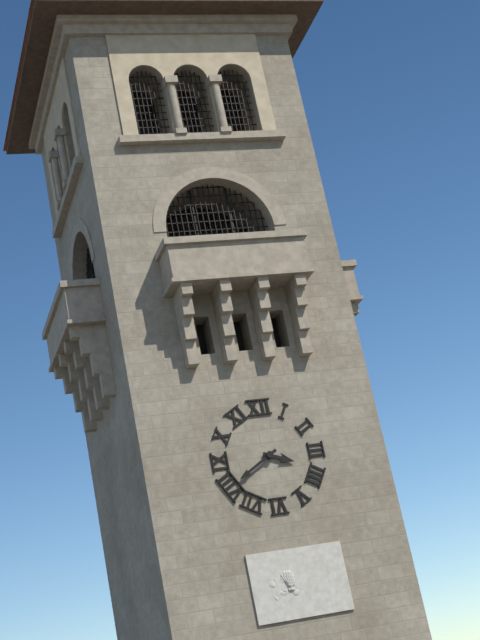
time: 3:40
